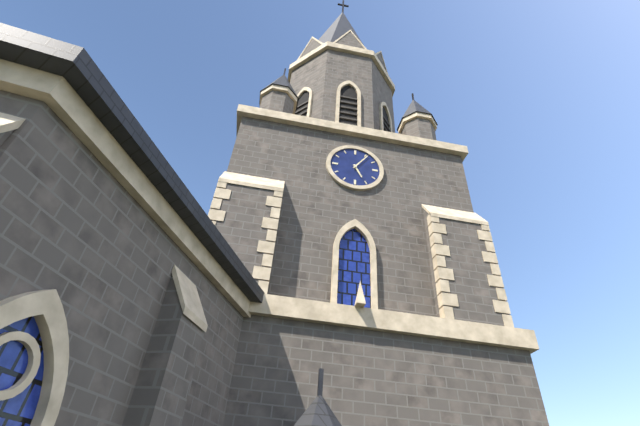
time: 5:06
